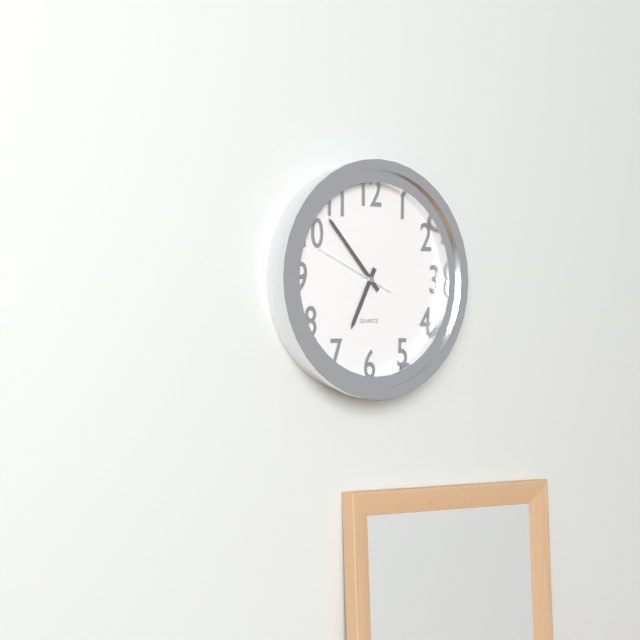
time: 6:53:49
